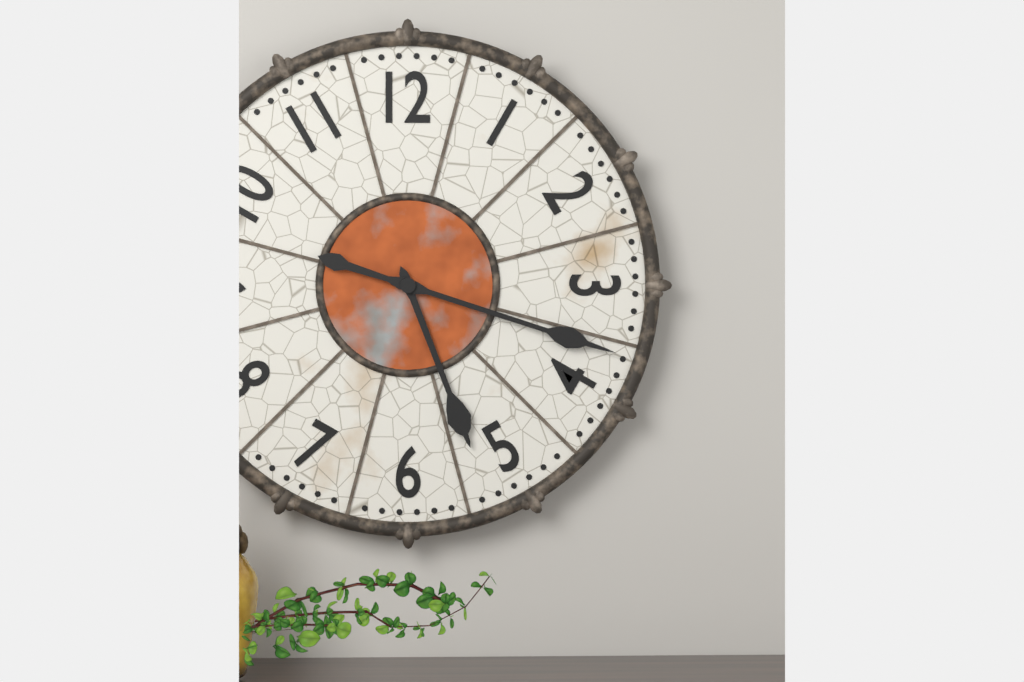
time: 5:18
